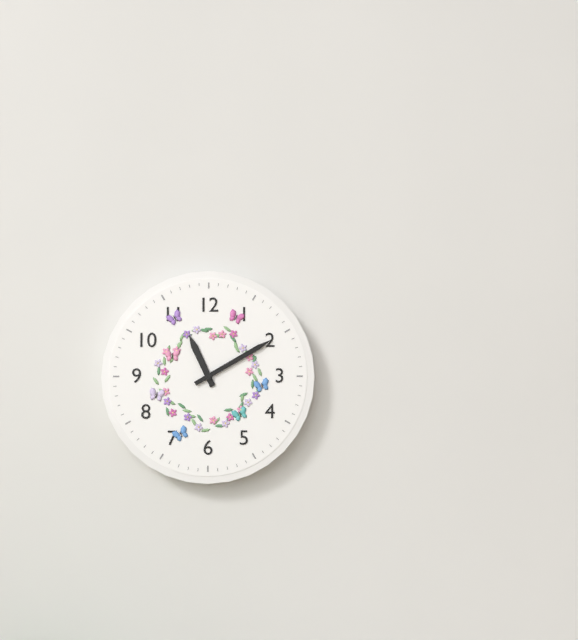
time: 11:10
